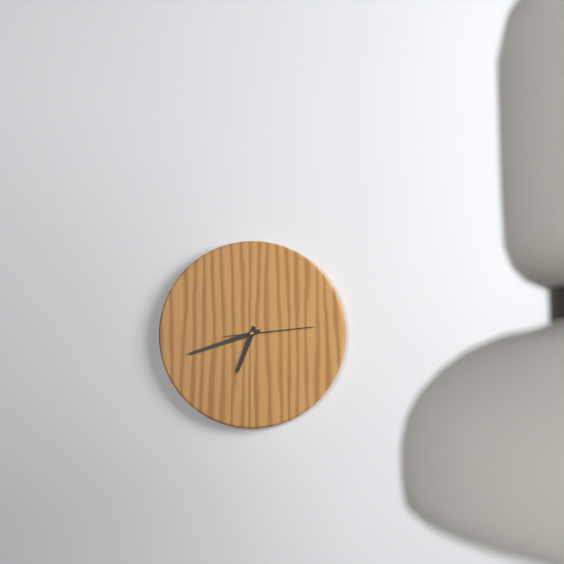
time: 6:42:14
